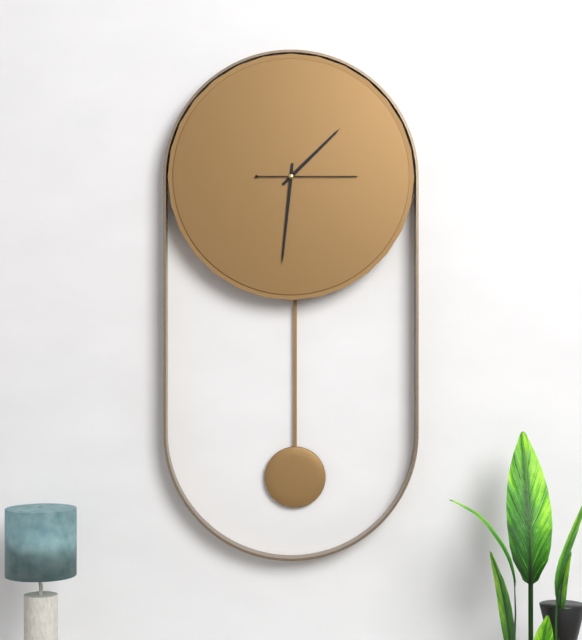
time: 1:31:15
